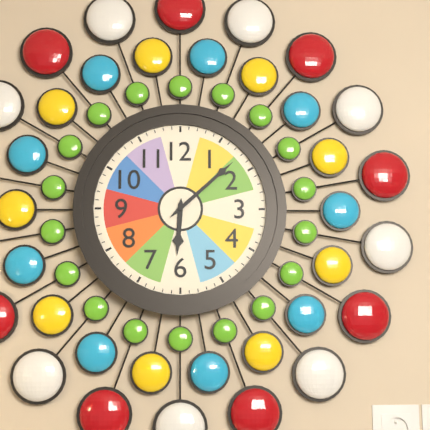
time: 6:08
